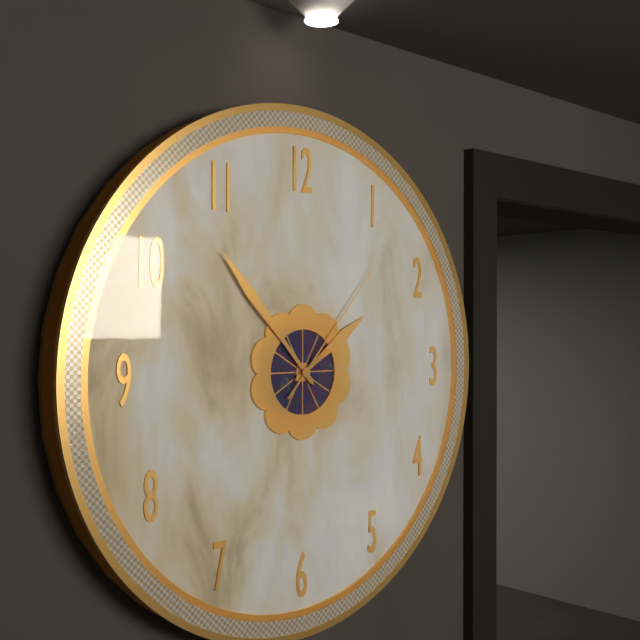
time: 1:53:07
